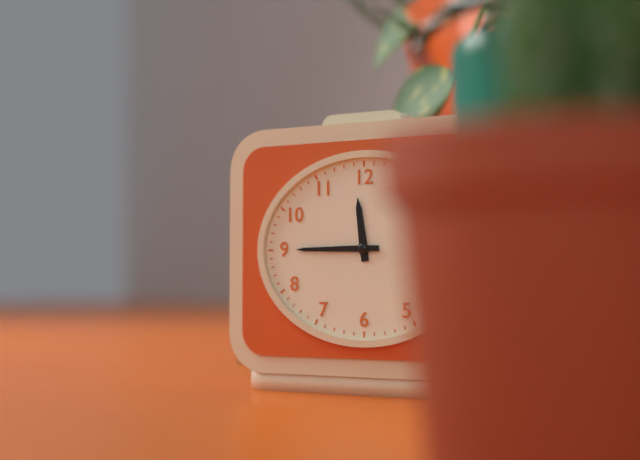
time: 11:45
